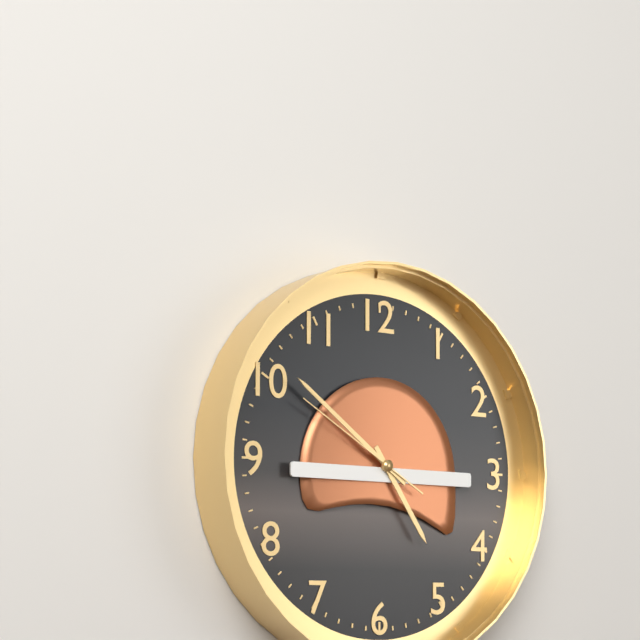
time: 4:51:50
